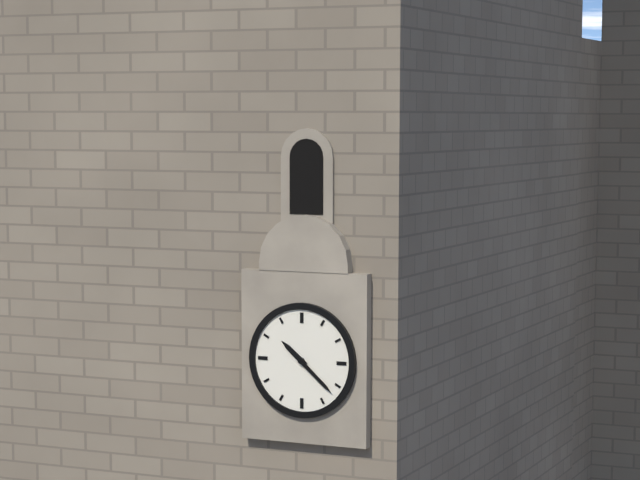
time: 10:22
